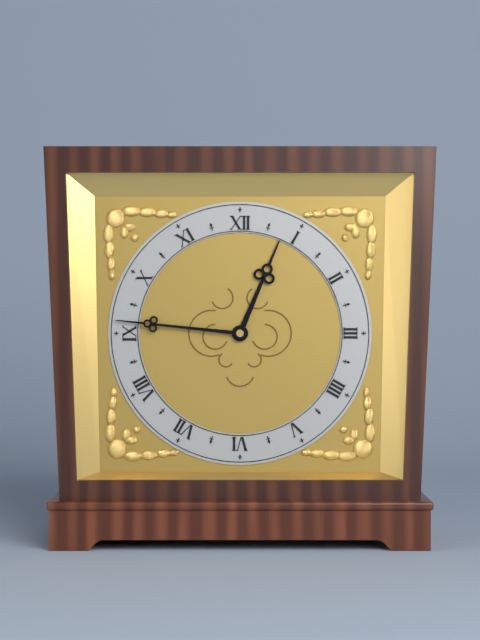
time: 12:46
